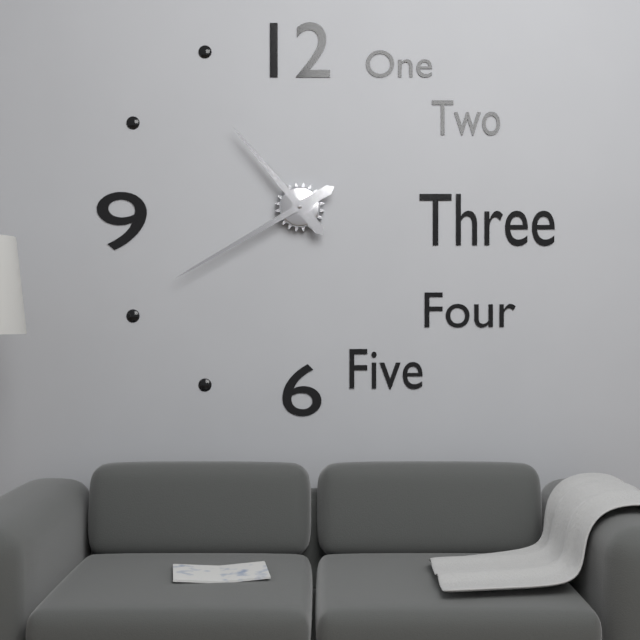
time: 10:40
